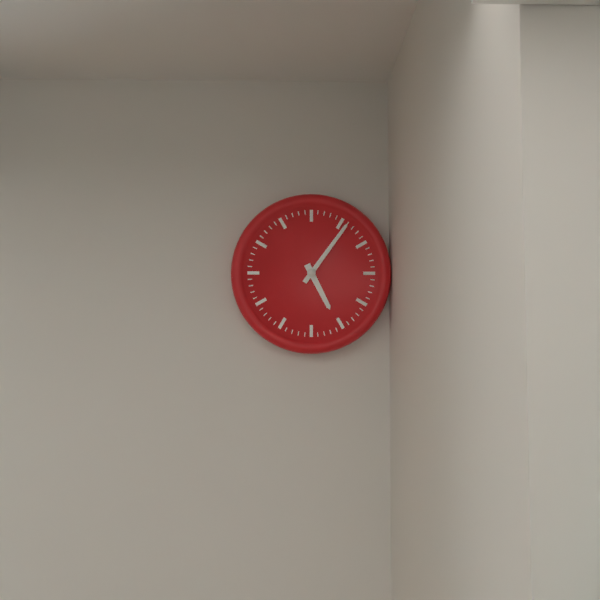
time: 5:06
